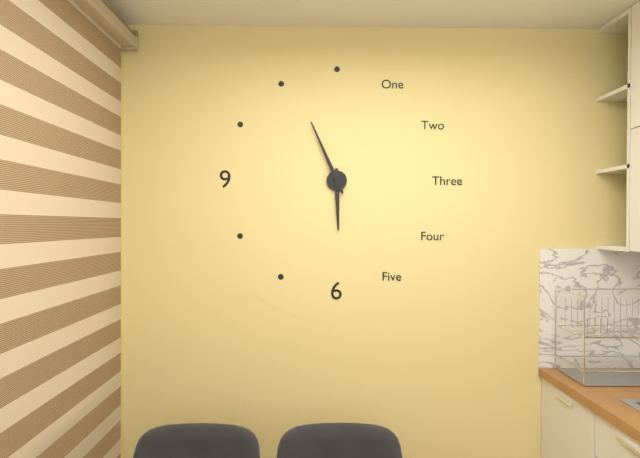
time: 5:56
